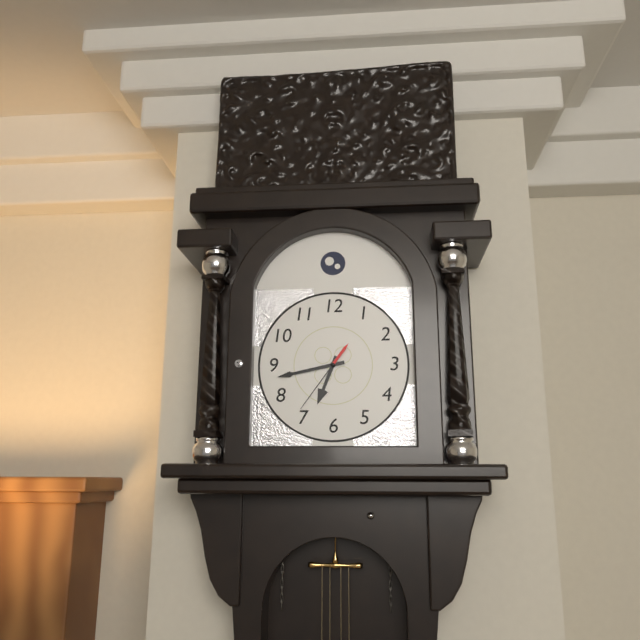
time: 6:43:36
